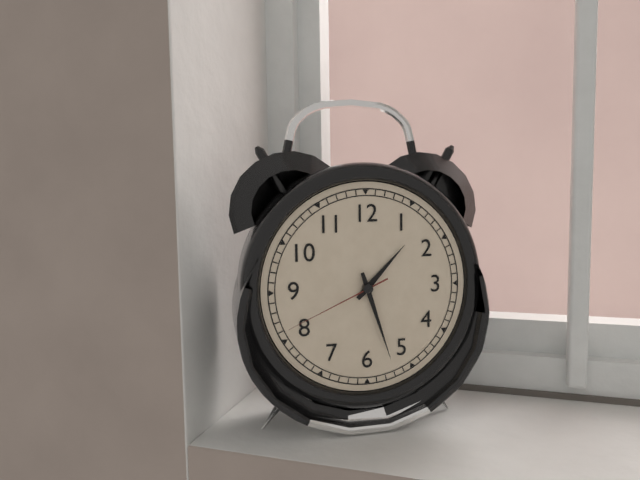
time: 1:27:41
